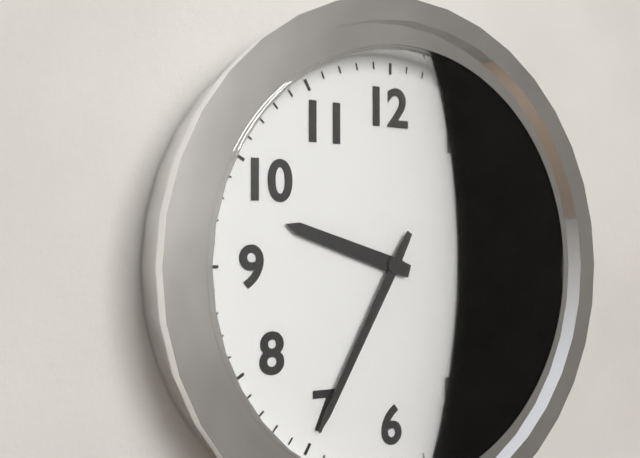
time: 9:35
